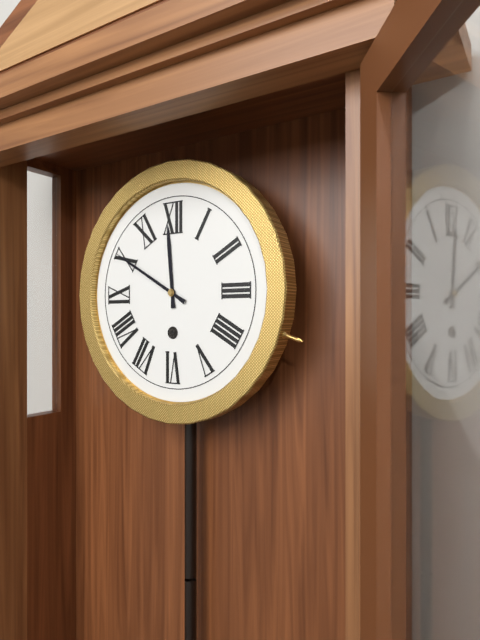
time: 11:50
